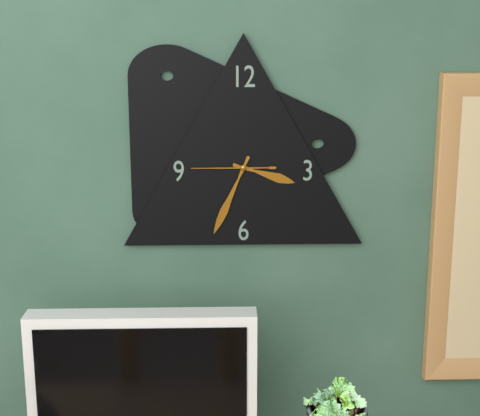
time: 3:34:45
